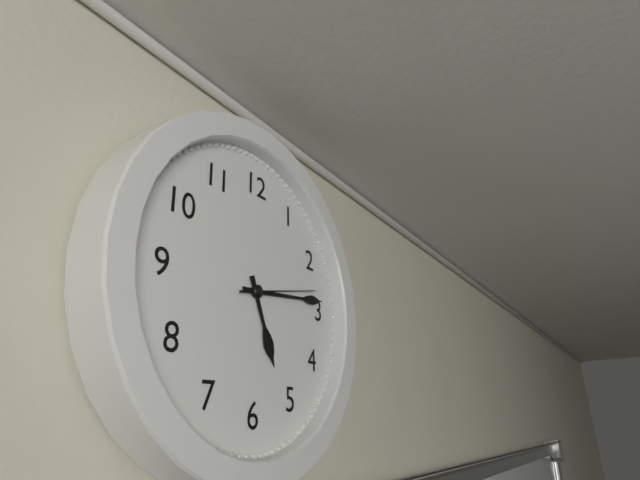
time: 5:14:13
